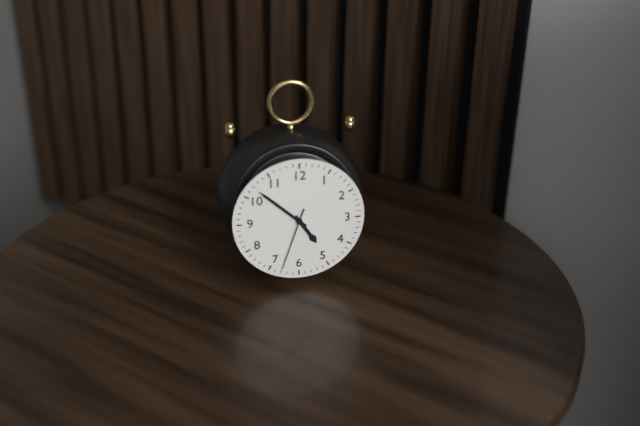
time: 4:52:33
